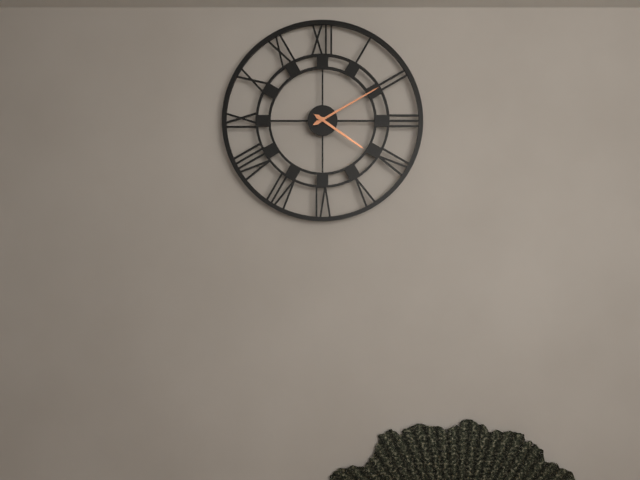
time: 4:10
